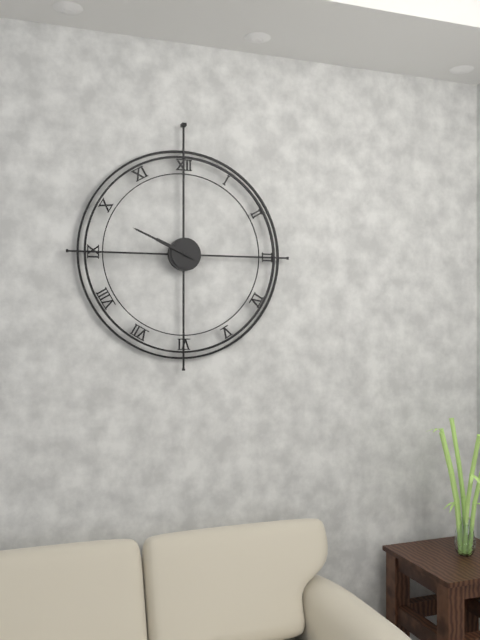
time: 9:49
